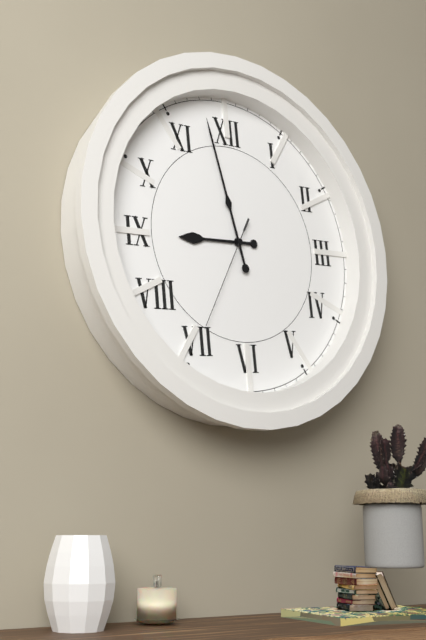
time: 8:58:35
